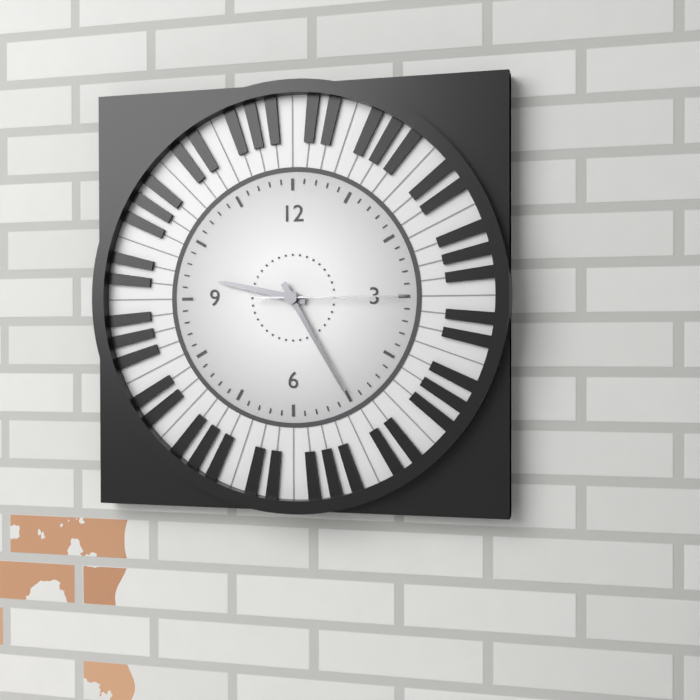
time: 9:25:15
